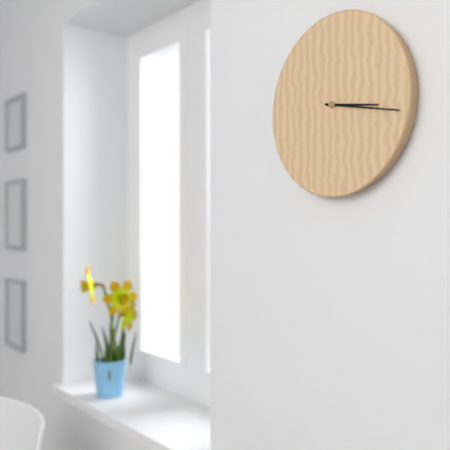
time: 3:17
